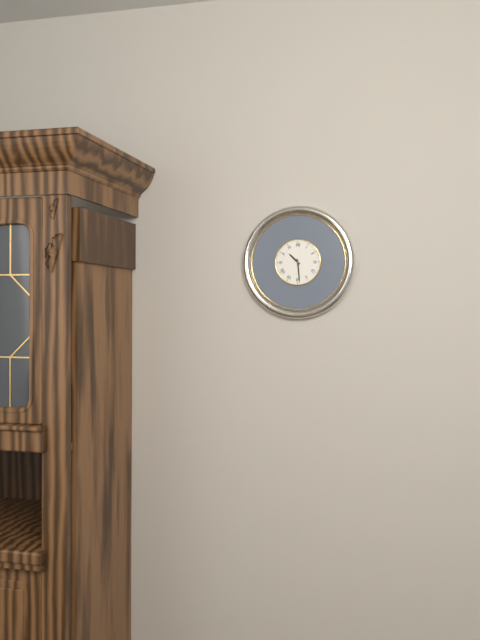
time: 10:29
